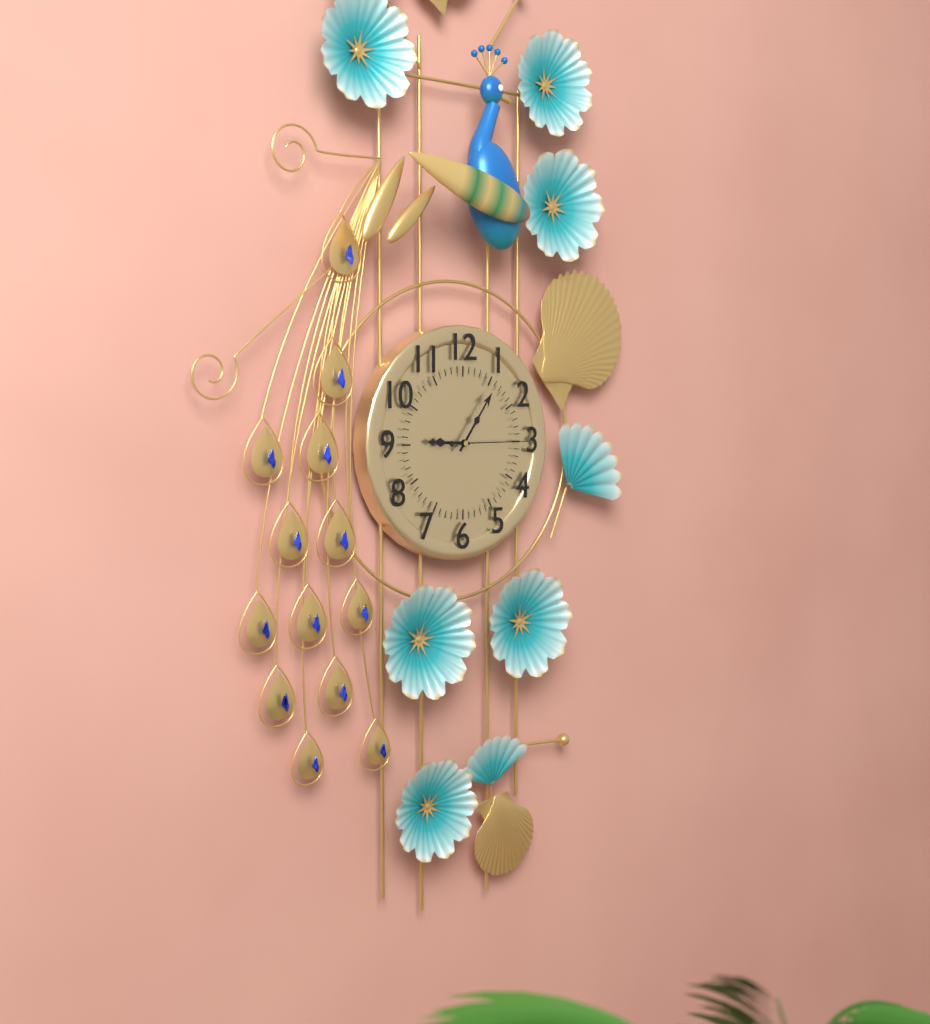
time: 9:06:15
